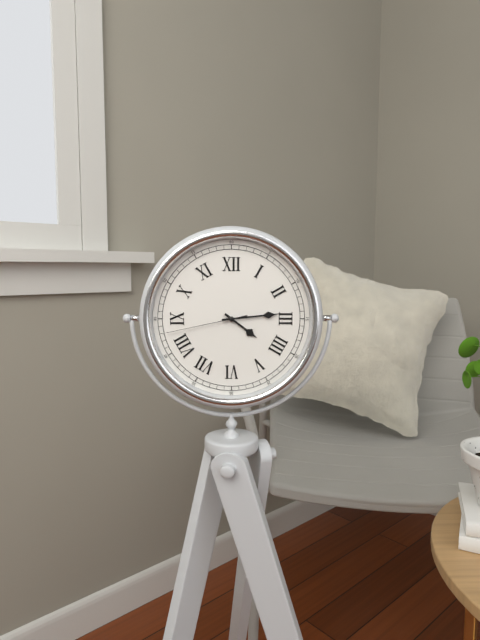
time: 4:14:43
